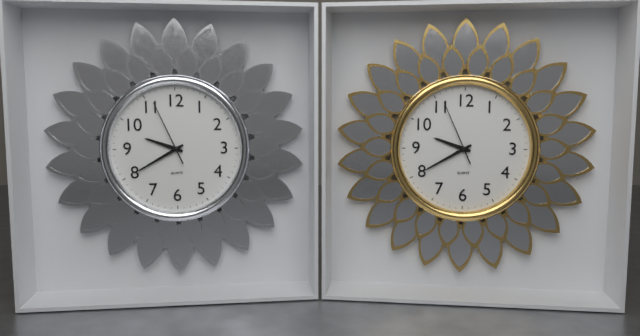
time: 9:40:56
